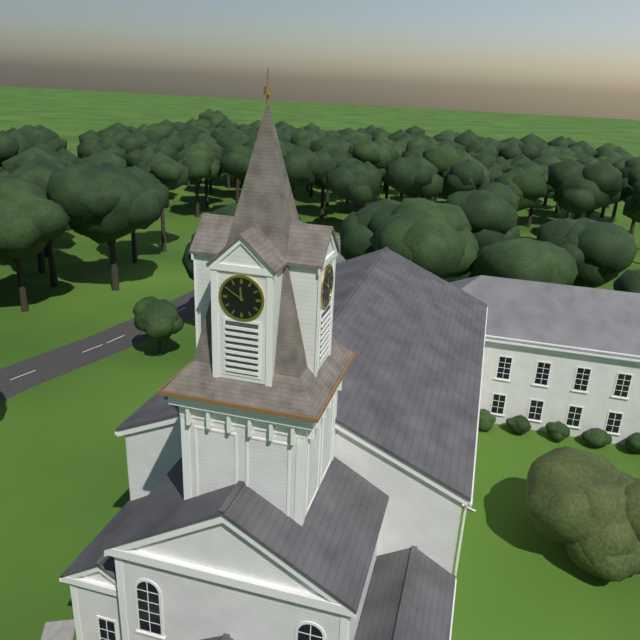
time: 11:50
